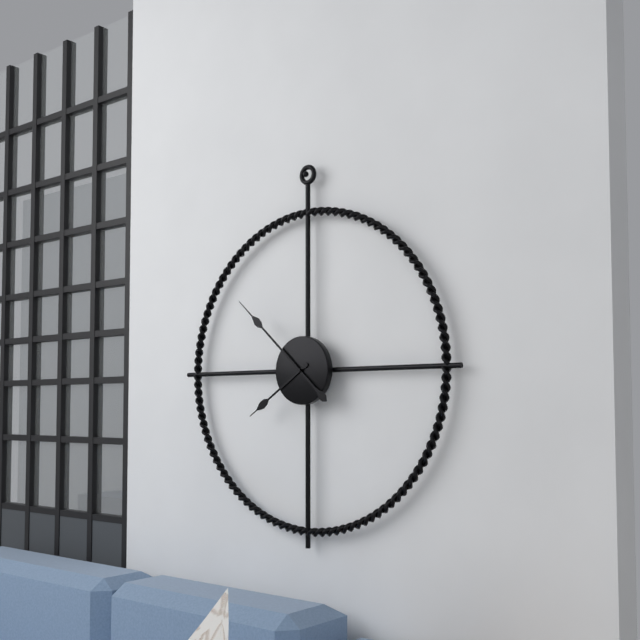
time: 7:52
